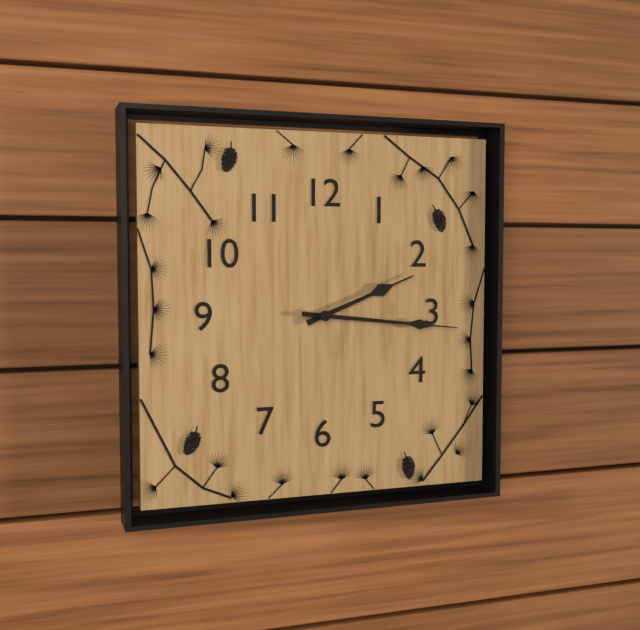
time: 2:16
